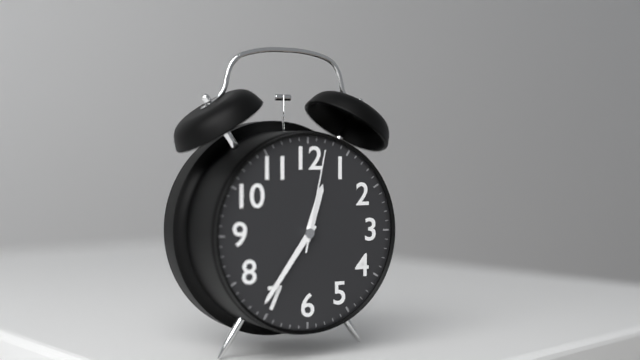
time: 12:36:02
